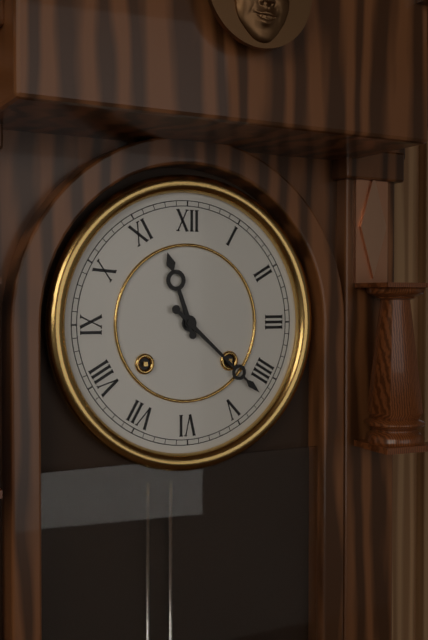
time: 11:22
